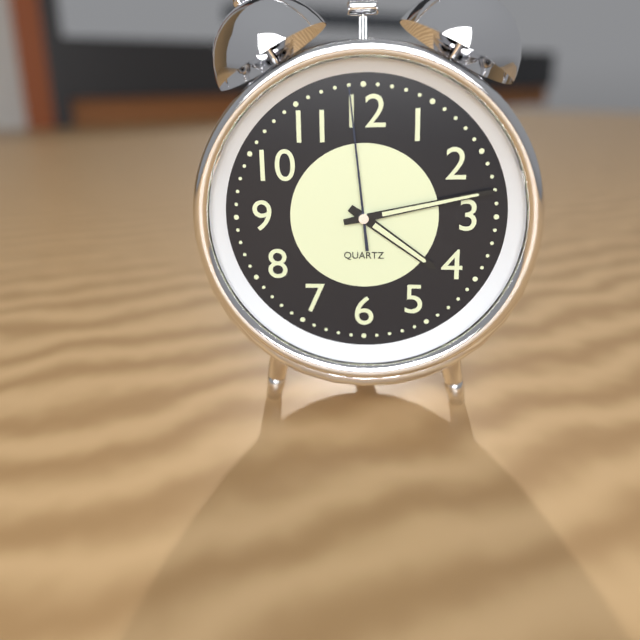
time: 4:13:59
